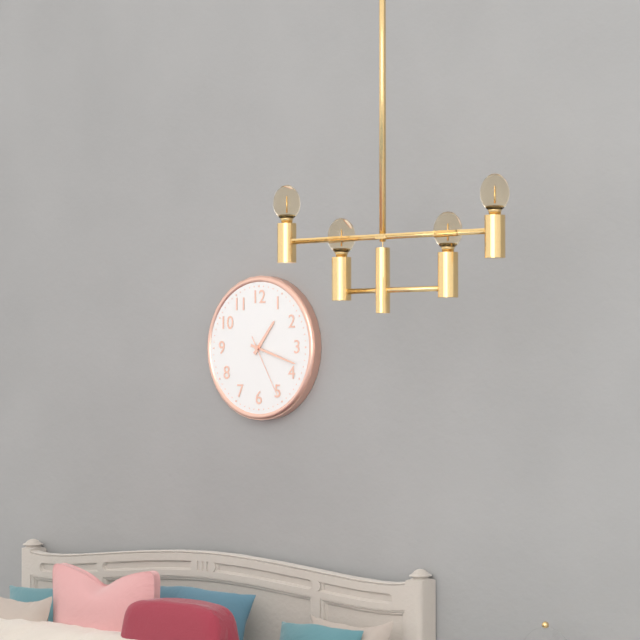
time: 1:18:25
